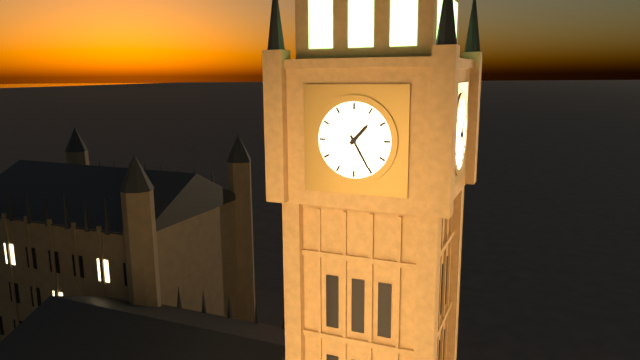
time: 1:25
